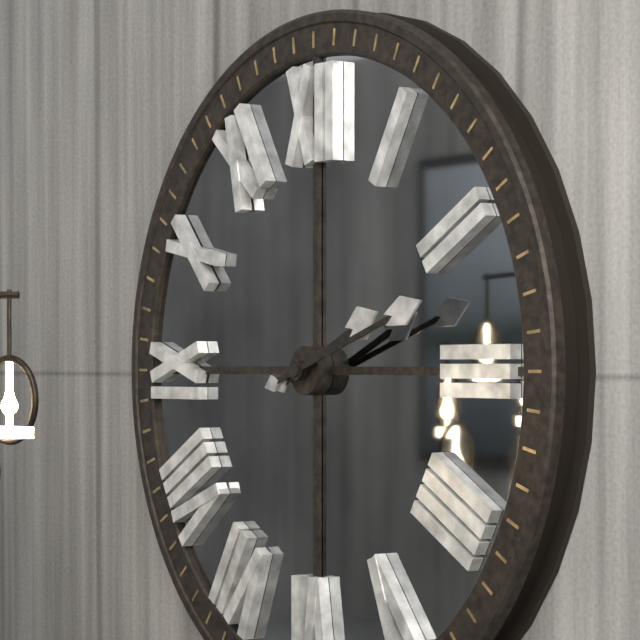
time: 2:12
